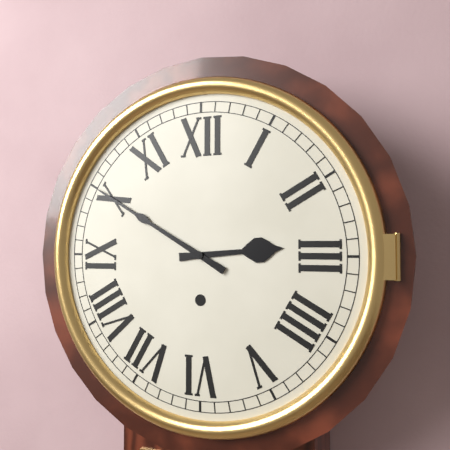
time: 2:50
